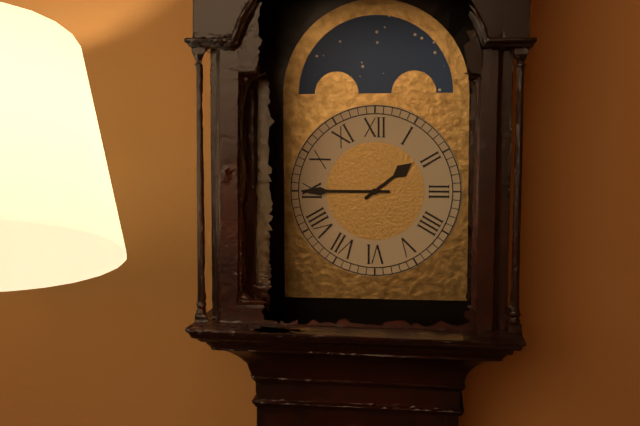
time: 1:45
